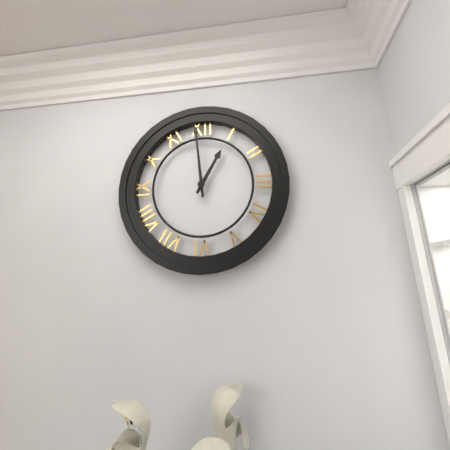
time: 12:59
